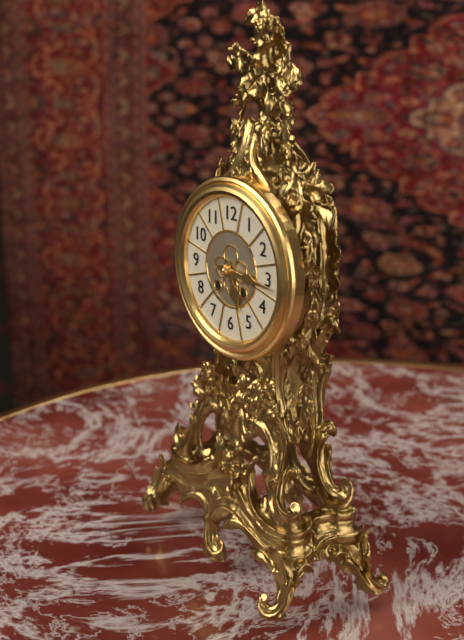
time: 5:16
